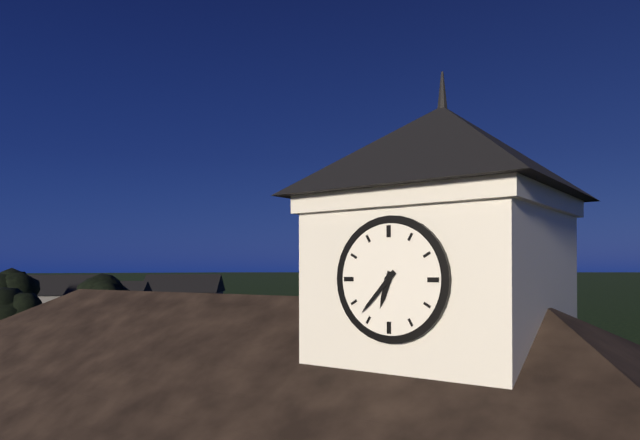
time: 6:37
